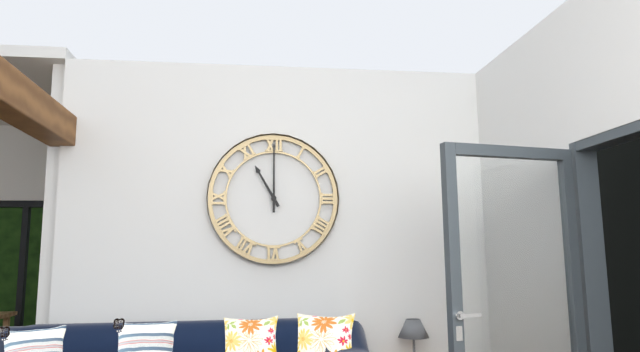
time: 11:00
